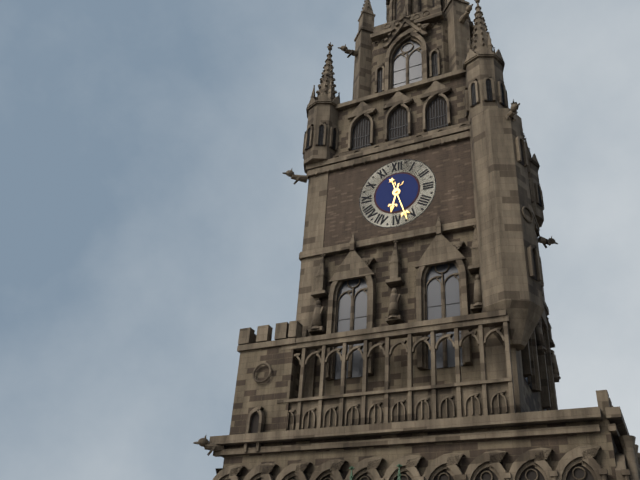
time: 6:27
